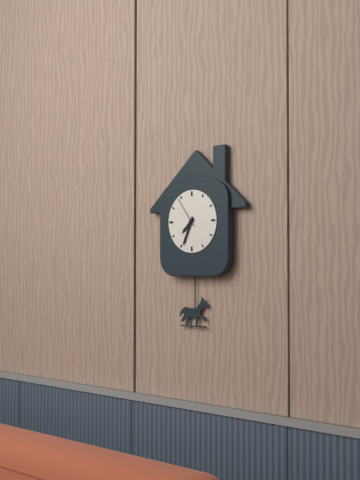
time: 7:34
